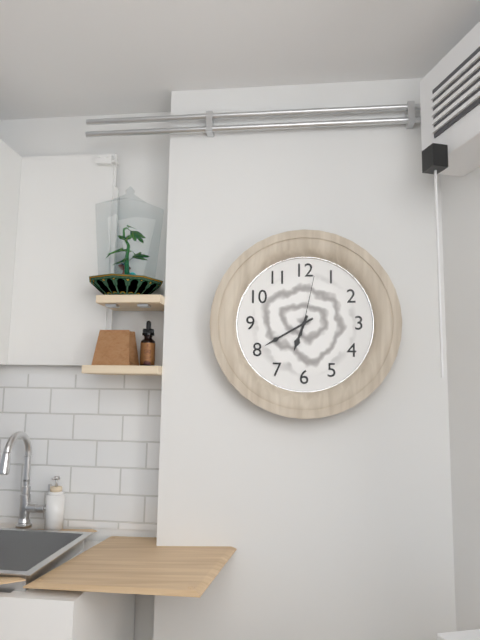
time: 6:40:02
